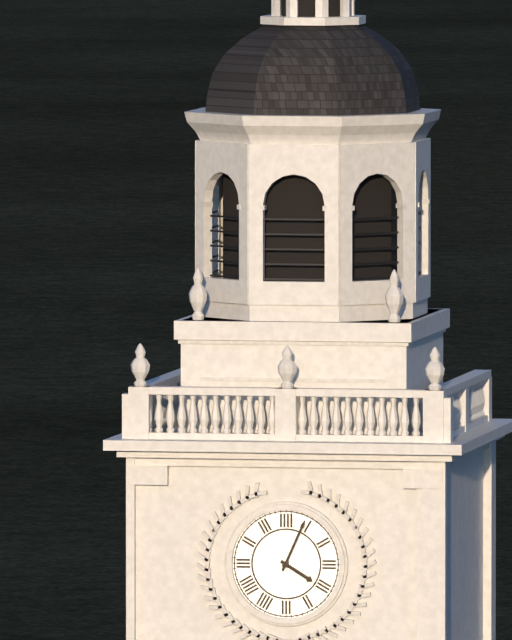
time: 4:04
